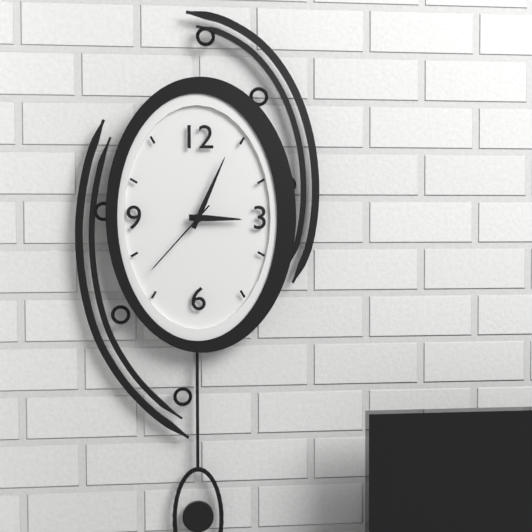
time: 3:04:37
